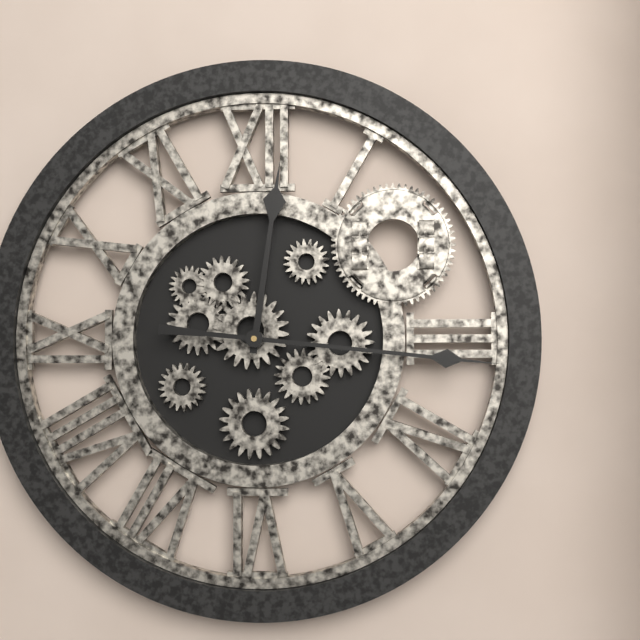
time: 12:16
